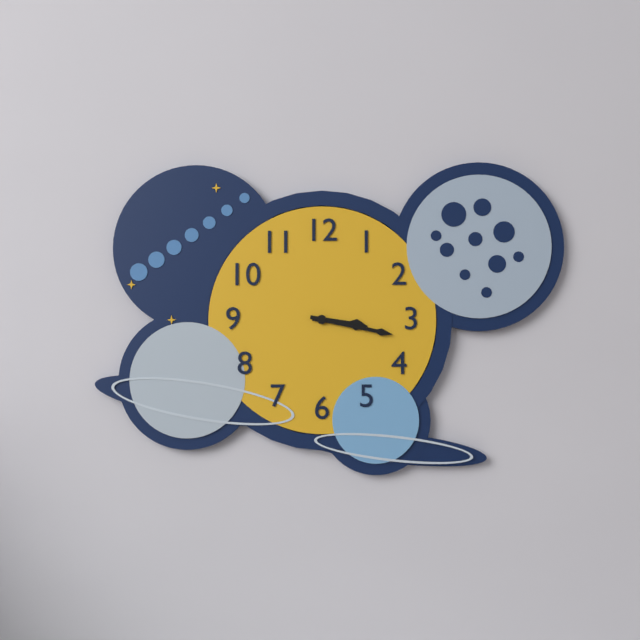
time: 3:17
